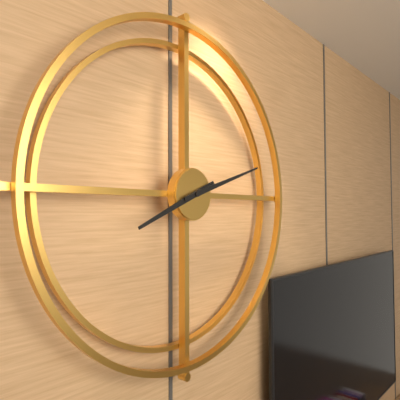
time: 8:12
